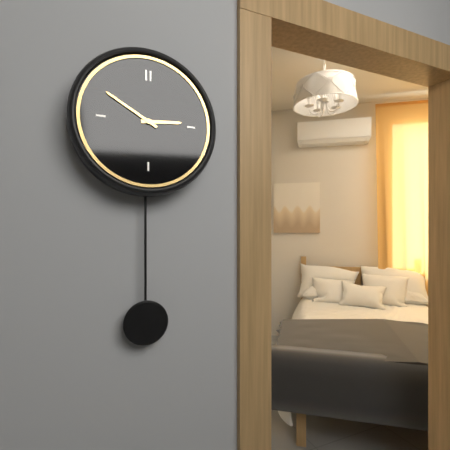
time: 2:50
